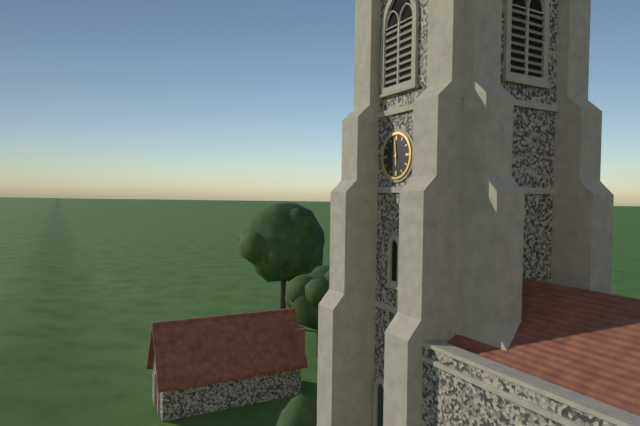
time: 5:59
